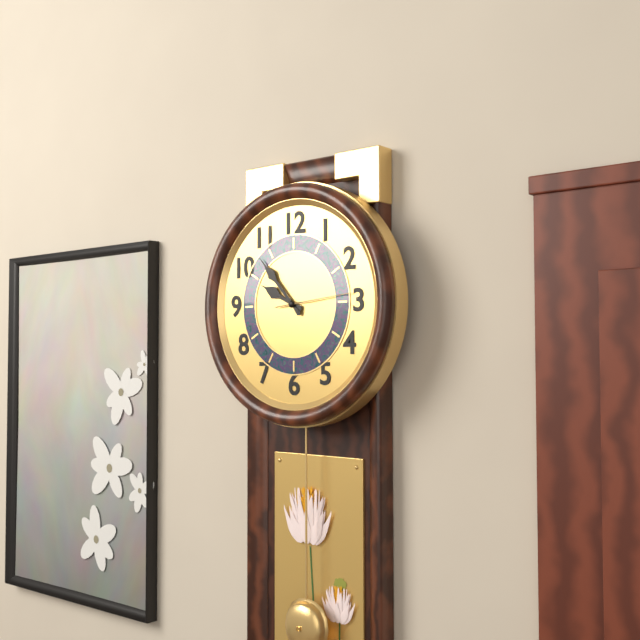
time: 9:53:14
